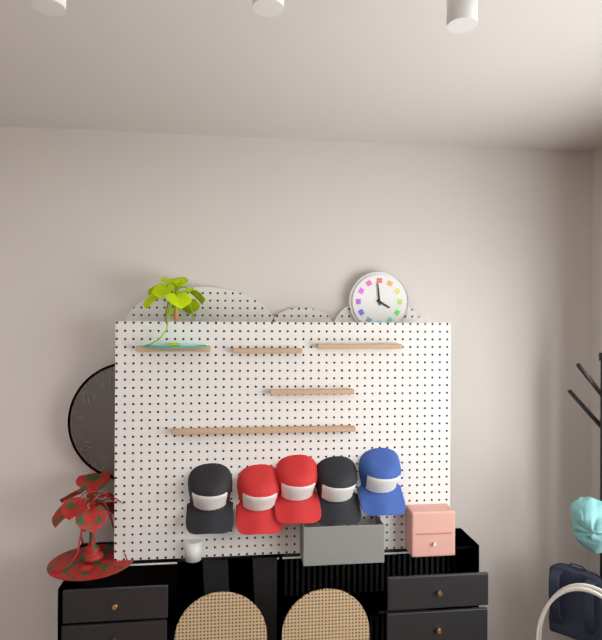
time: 3:59
